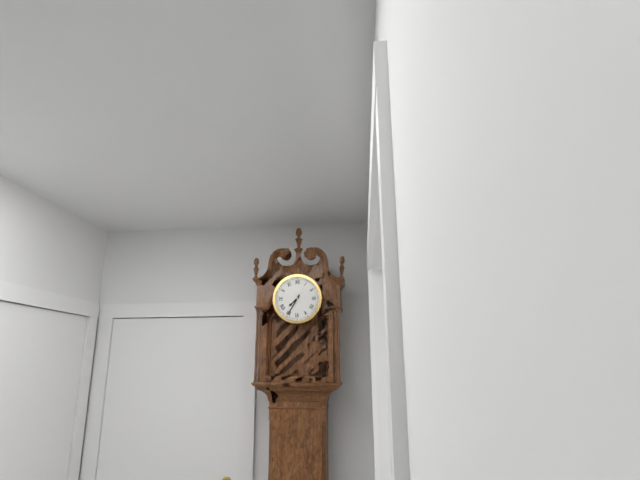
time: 7:35
